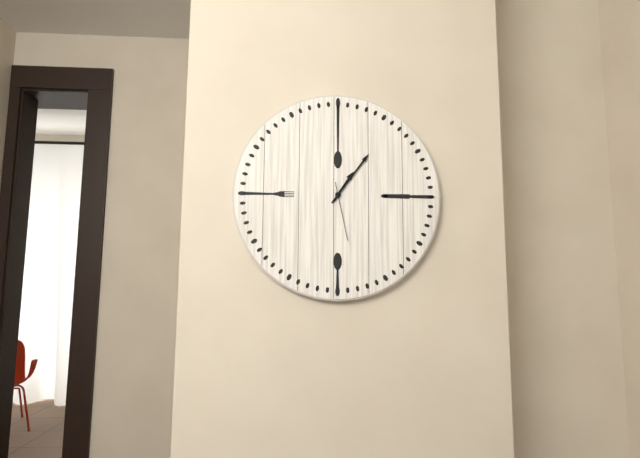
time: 1:06:28
